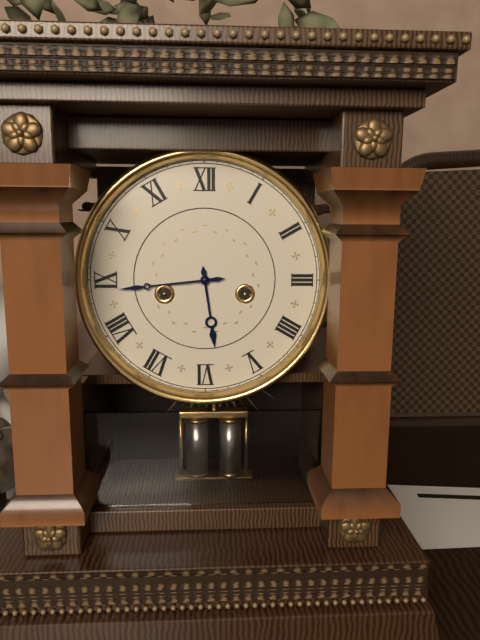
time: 5:44
